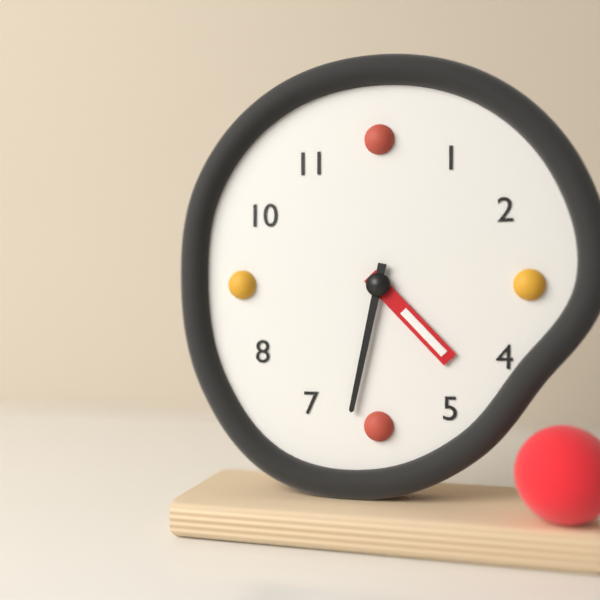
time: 4:32
